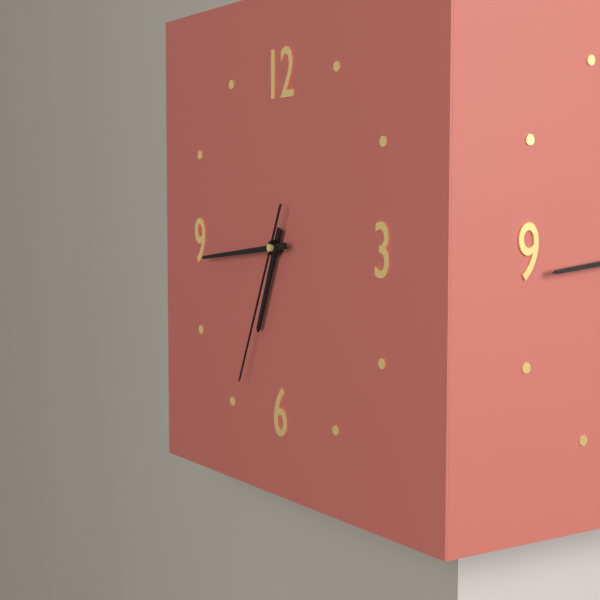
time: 6:44:34
